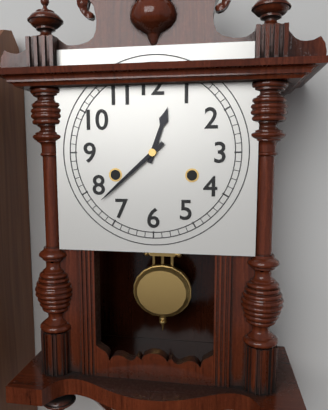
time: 12:38
